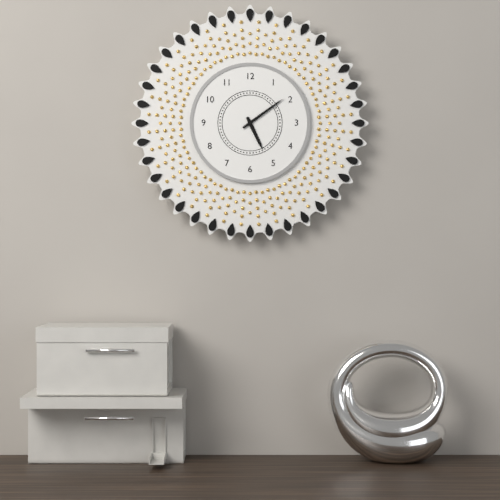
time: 5:09
